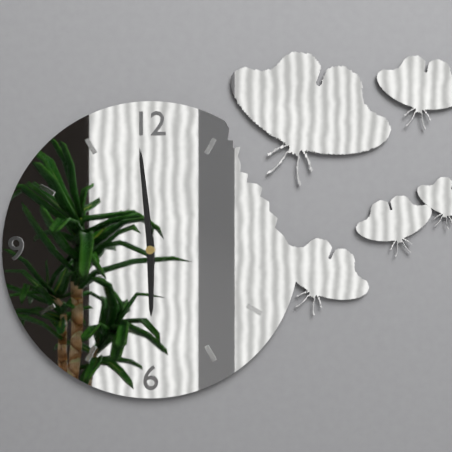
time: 5:59
